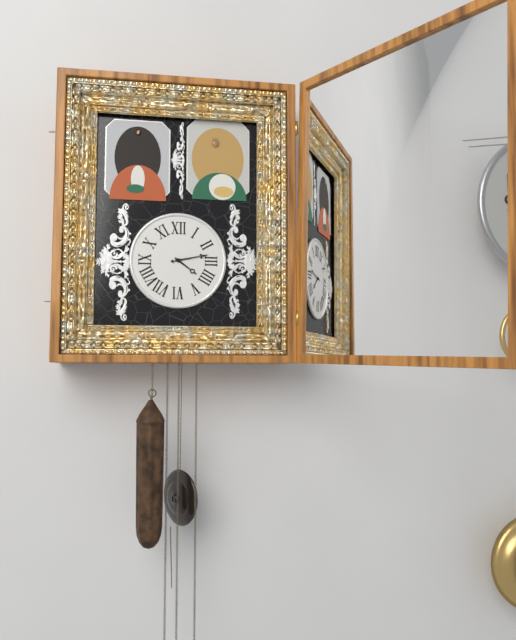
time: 4:13
